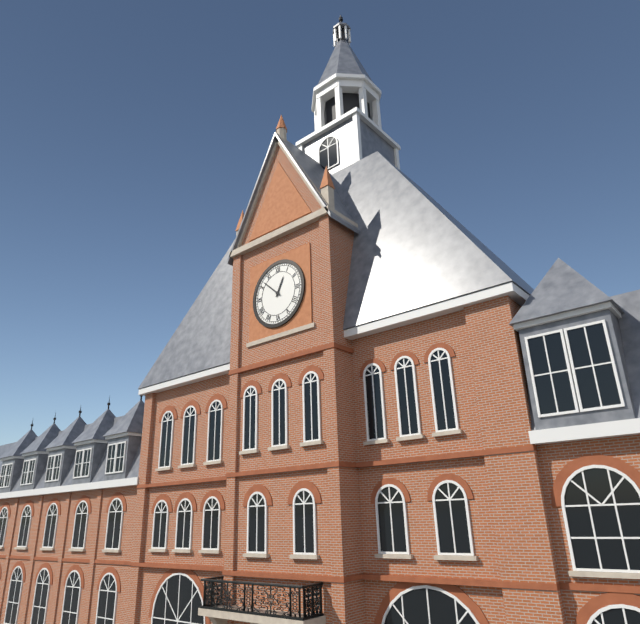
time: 12:52
